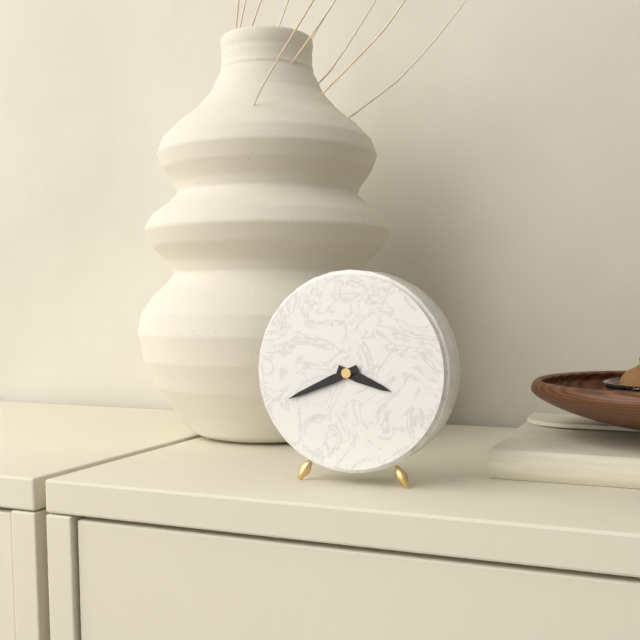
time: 3:41
